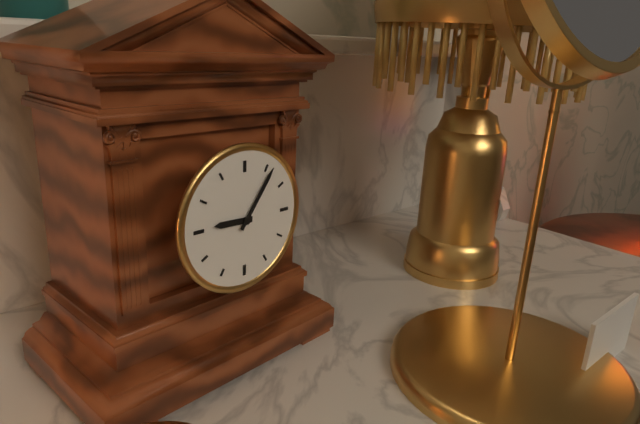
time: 9:06
